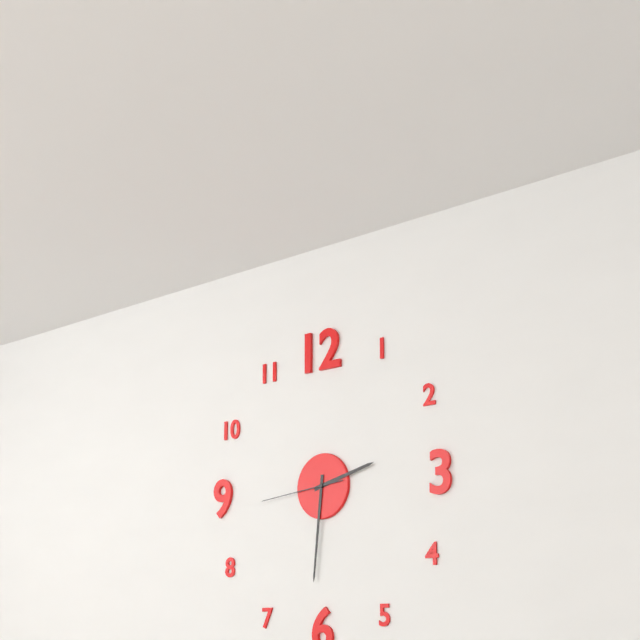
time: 2:31:44
